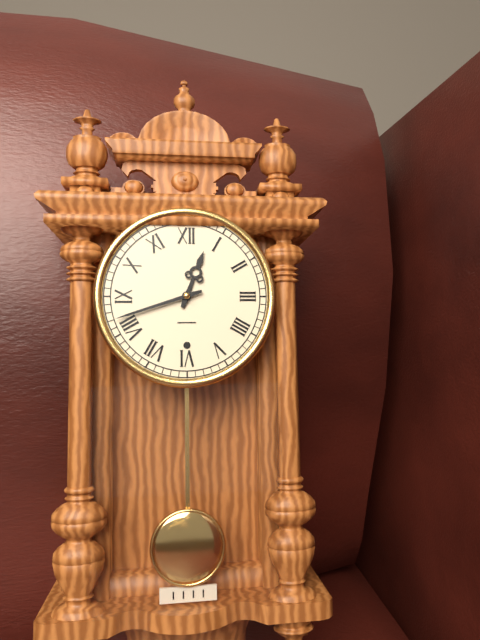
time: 12:42
